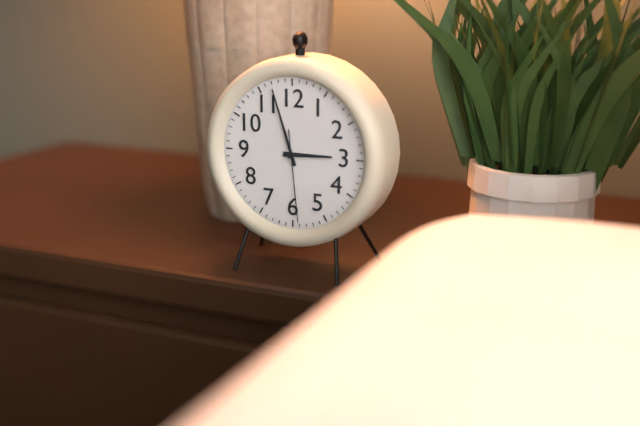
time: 2:57:29
